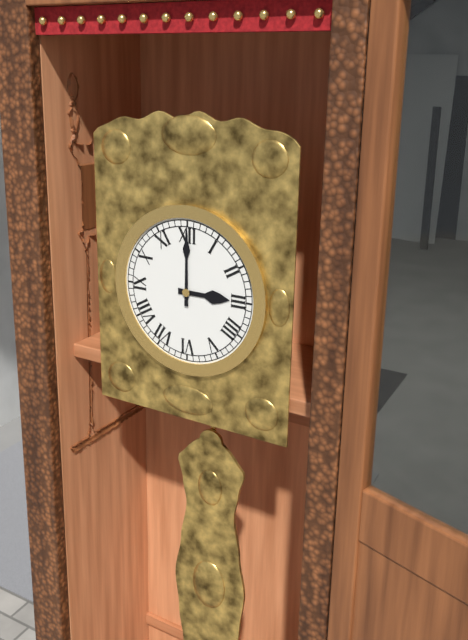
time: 3:00
